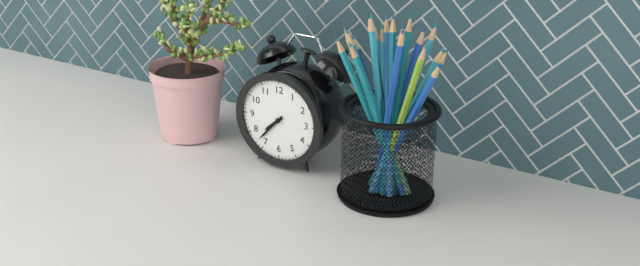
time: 7:37
